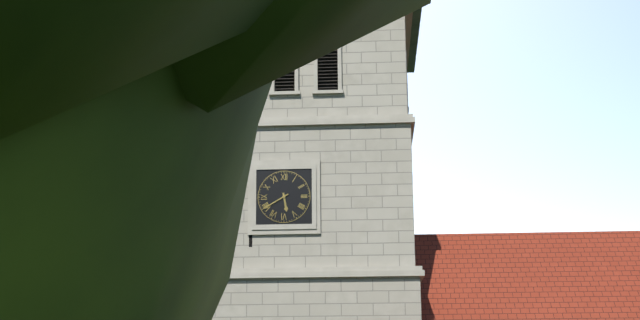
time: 5:40
